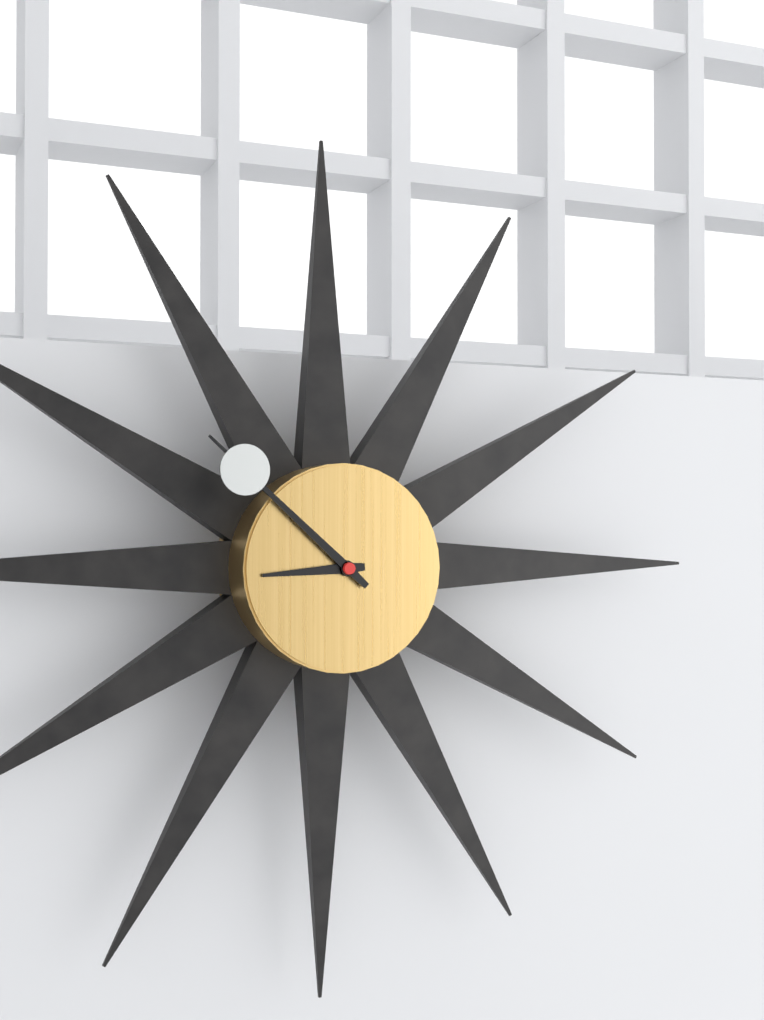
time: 8:52
